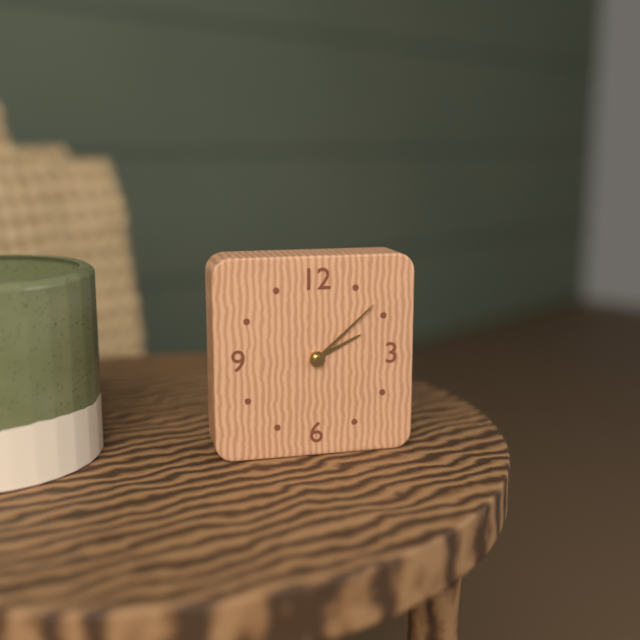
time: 2:08
